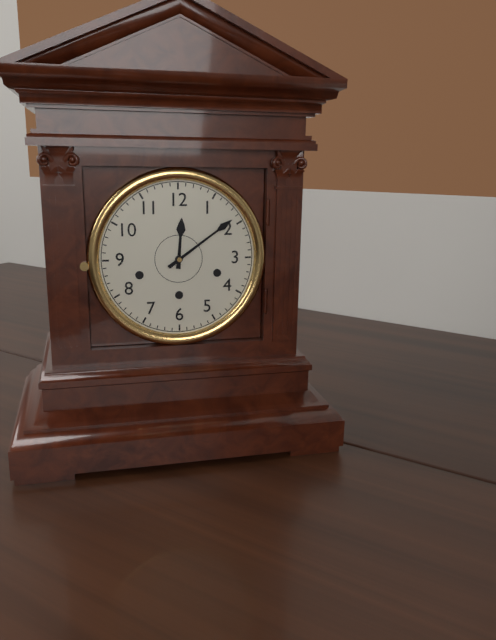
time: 12:09
